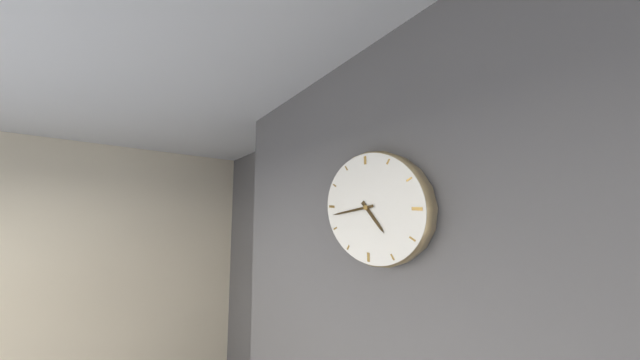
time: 4:43
